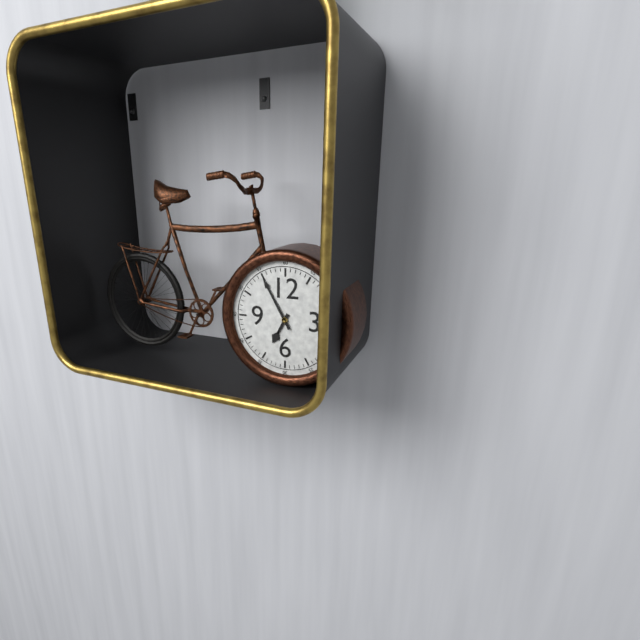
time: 6:55
